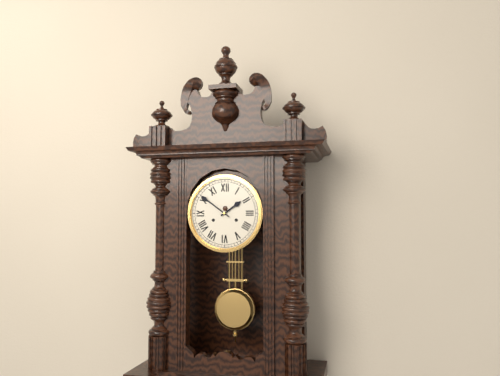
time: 1:51
